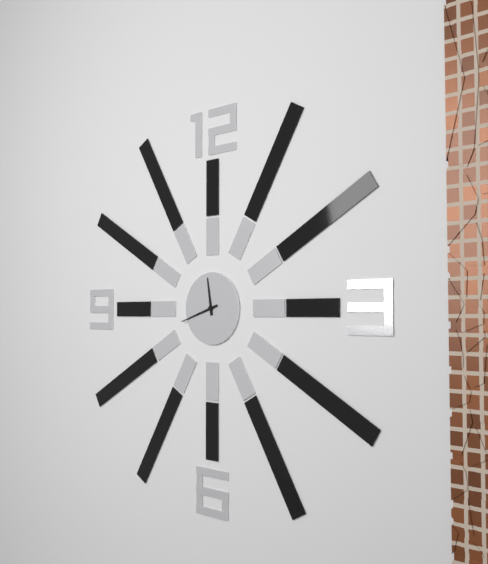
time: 11:42
